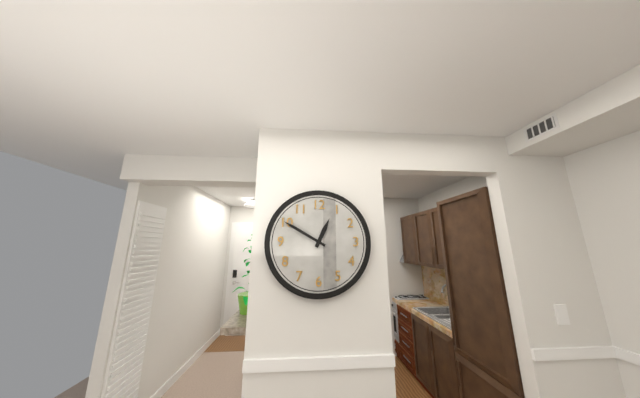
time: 12:50
